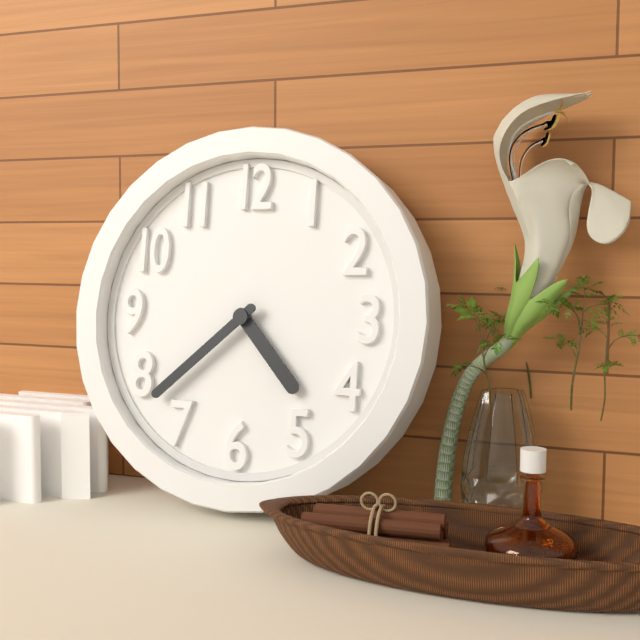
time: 4:38
